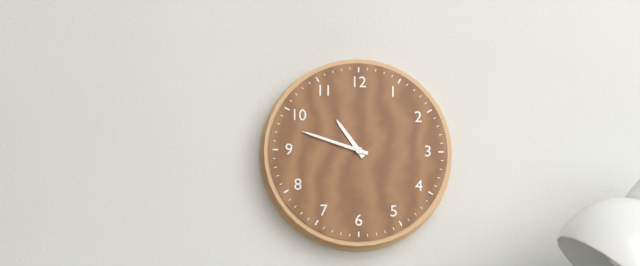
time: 10:48
